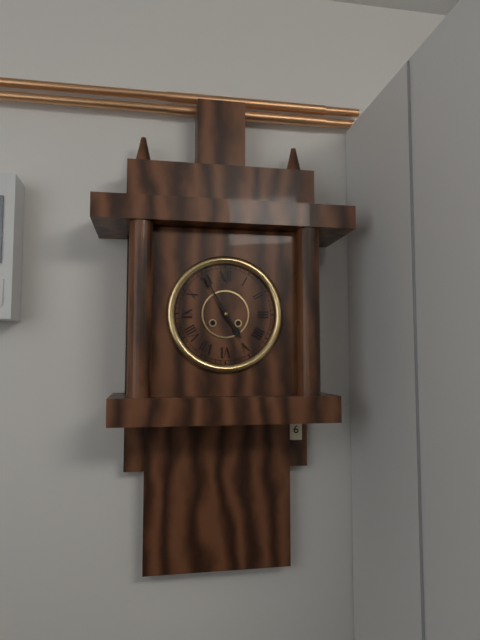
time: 4:55
